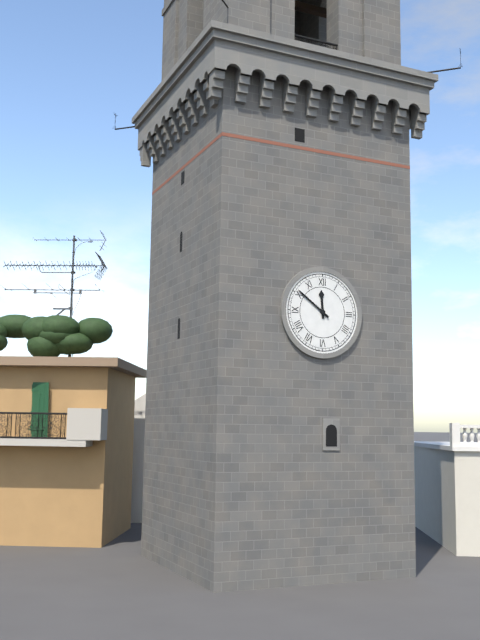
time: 11:51
